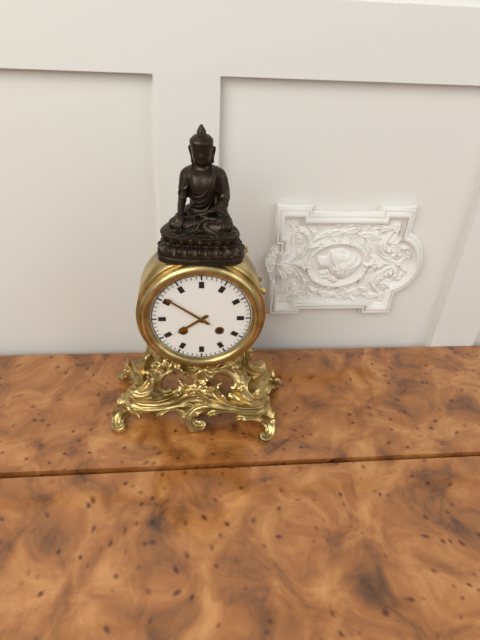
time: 7:51
